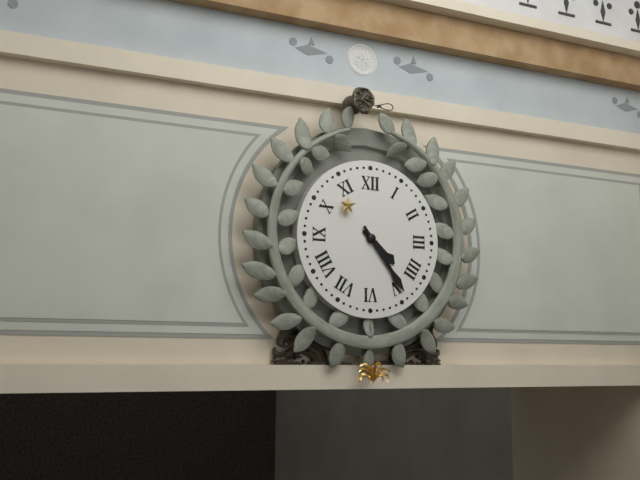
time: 4:24
